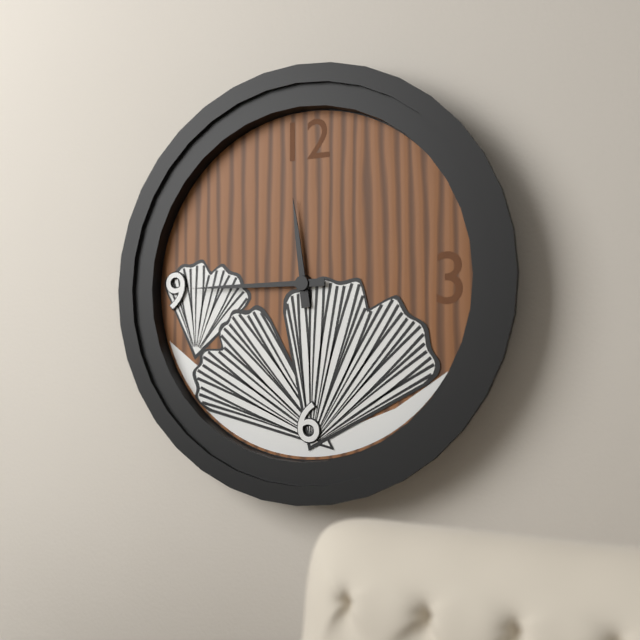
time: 11:45
